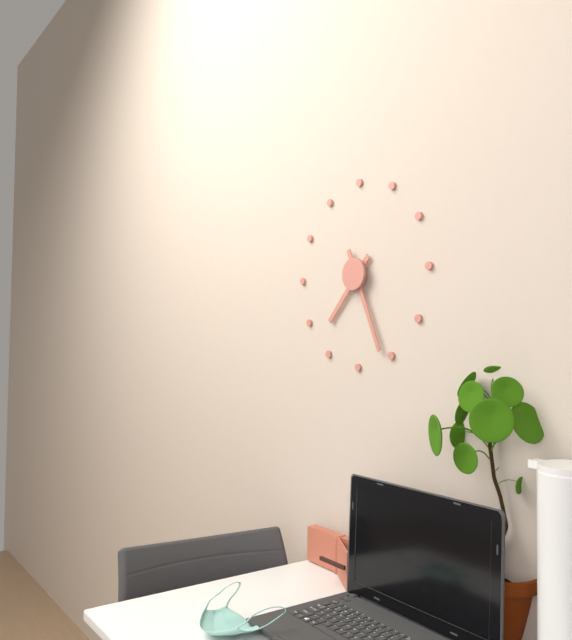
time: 7:26
